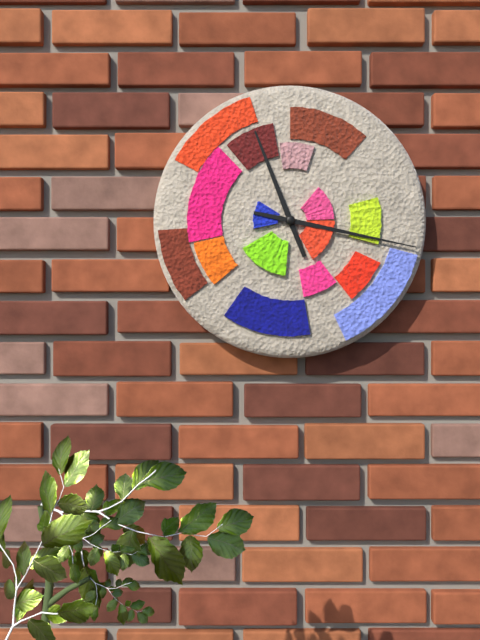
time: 11:17
